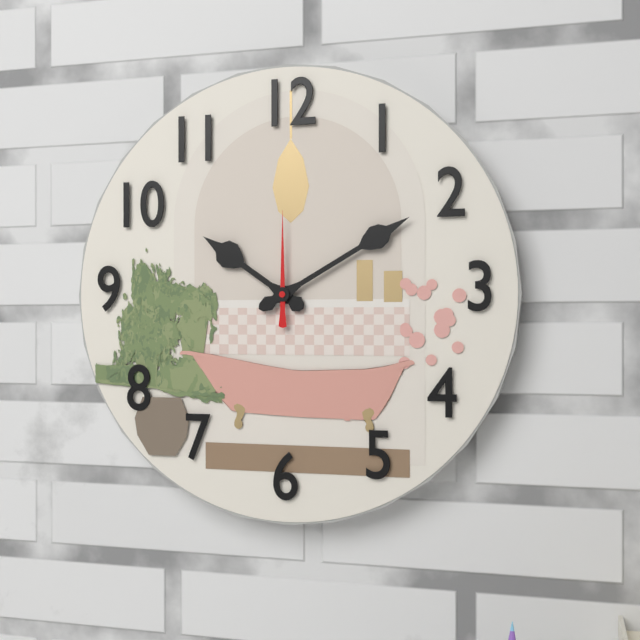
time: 10:10:00
